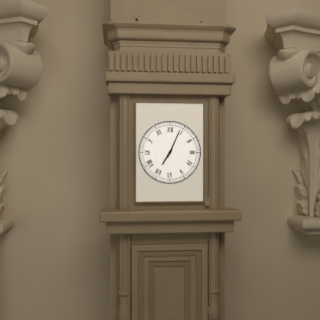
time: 7:04
